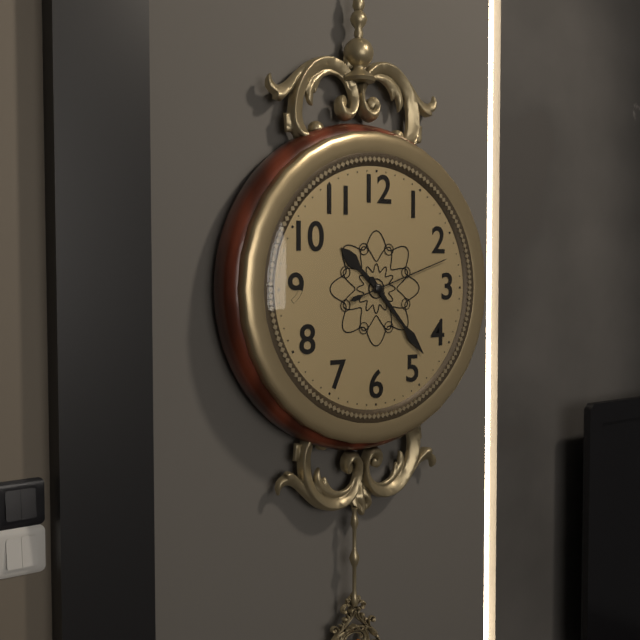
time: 10:23:12
